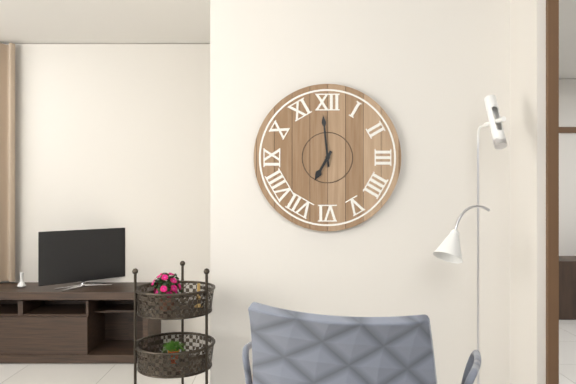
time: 6:59
